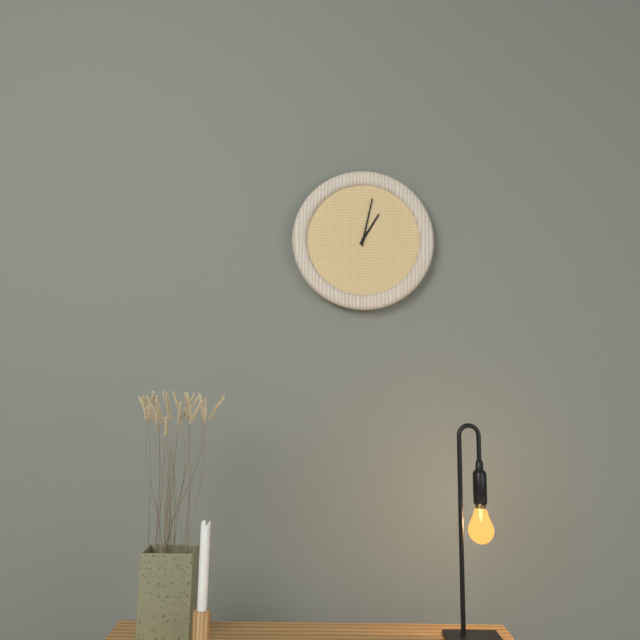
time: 1:02
